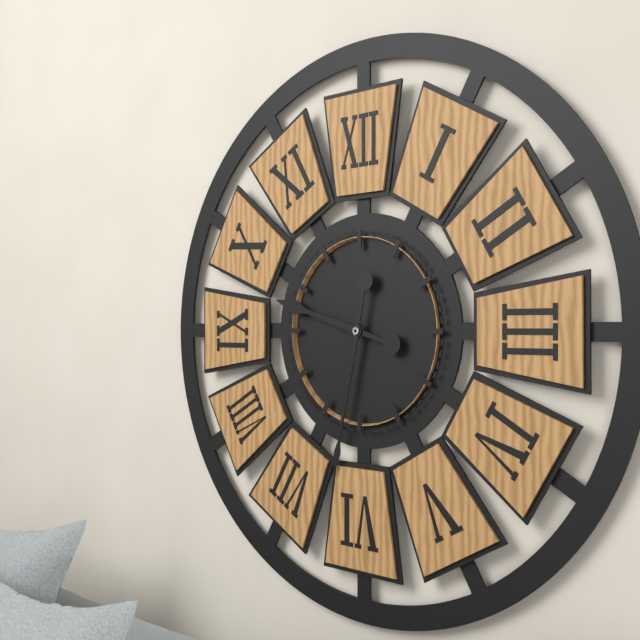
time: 9:32
